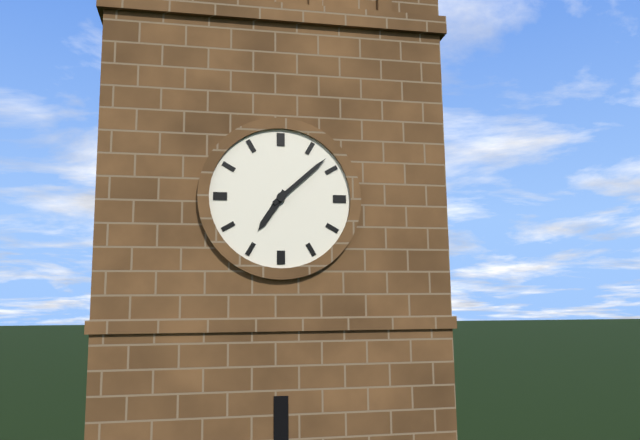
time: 7:08
